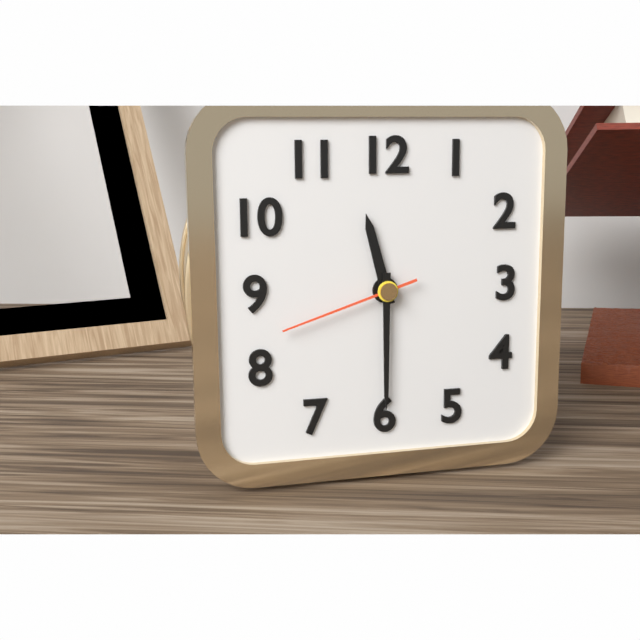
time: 11:30:42
